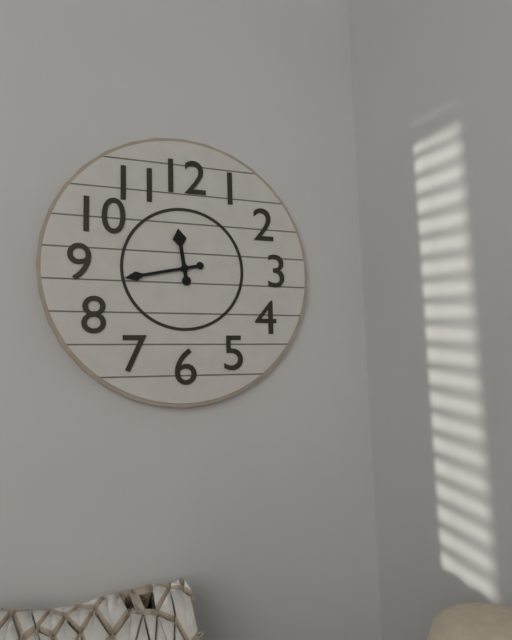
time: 11:43
